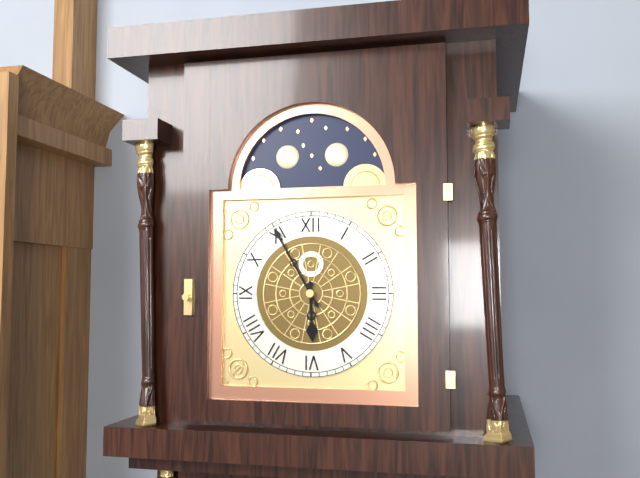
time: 5:55
